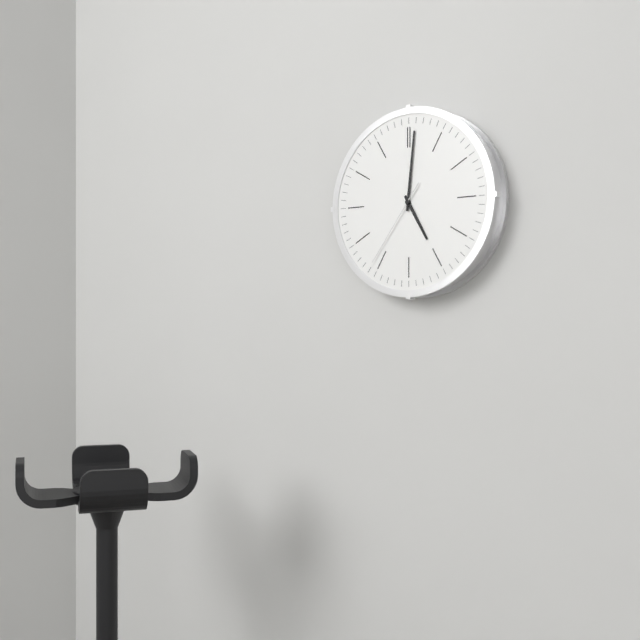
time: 5:01:36
